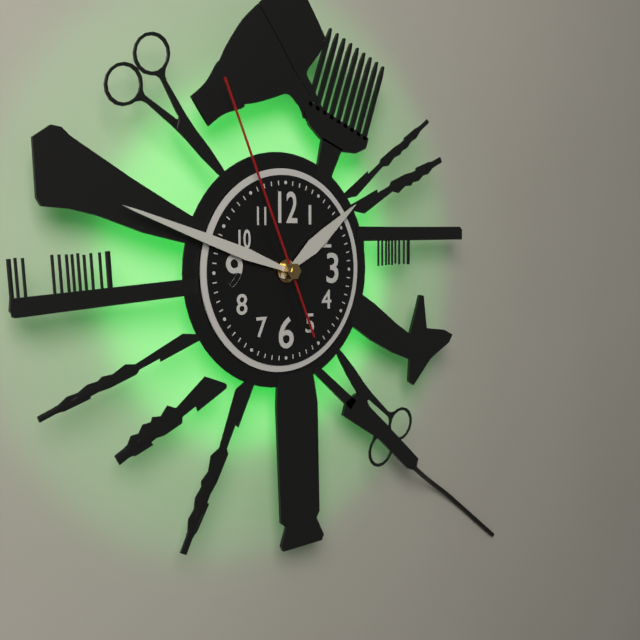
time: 1:48:56
